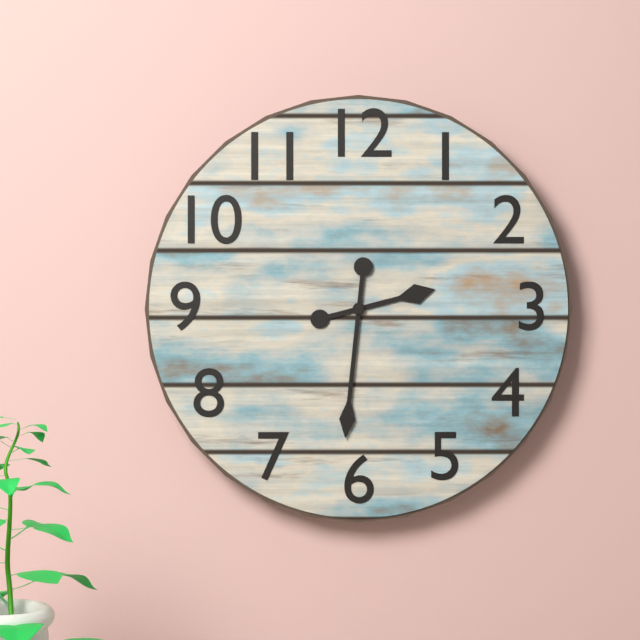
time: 2:31
